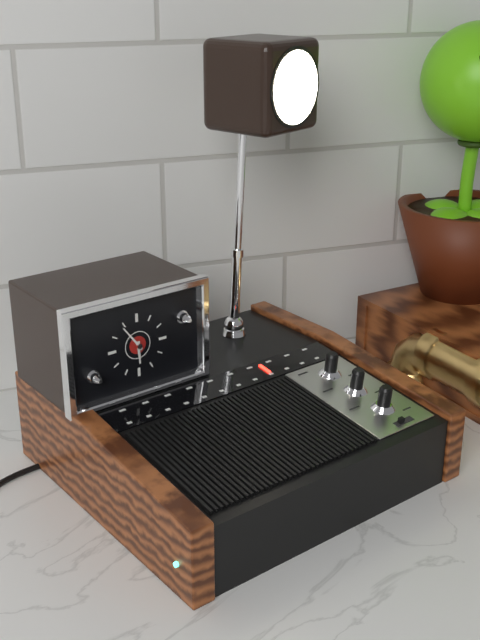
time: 5:54
